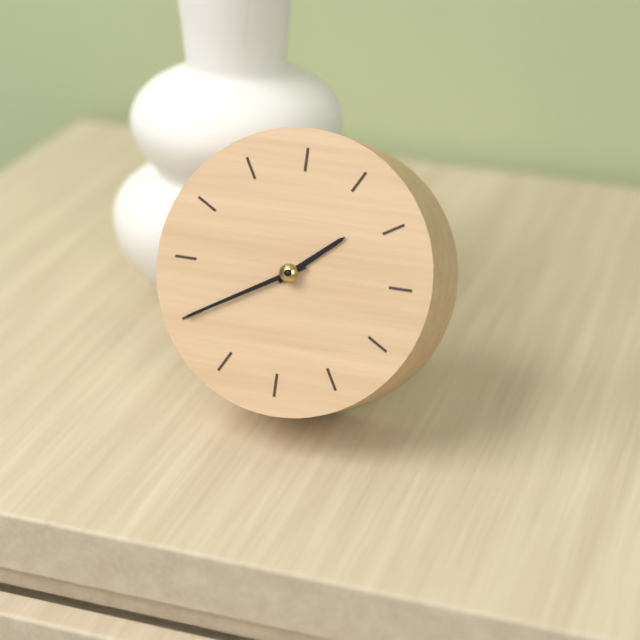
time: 1:40
